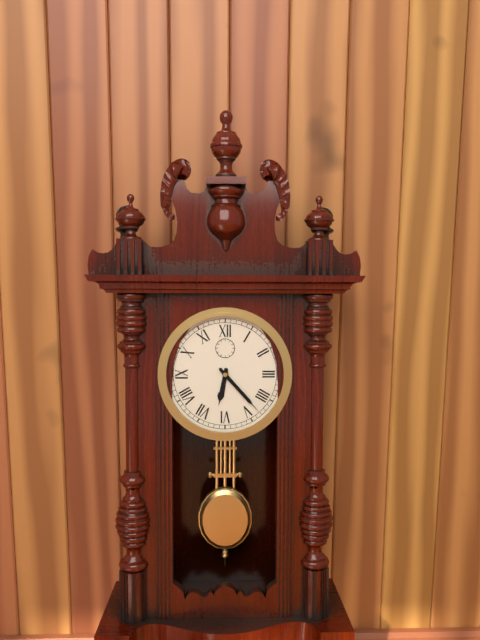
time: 6:23
